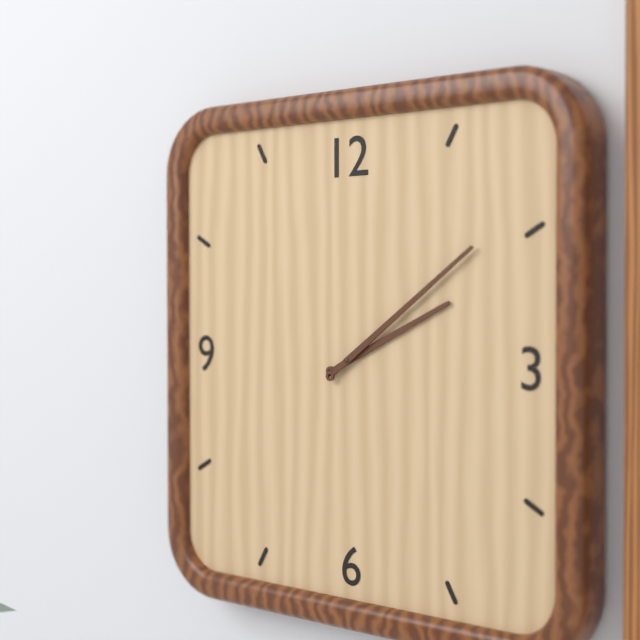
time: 2:09
